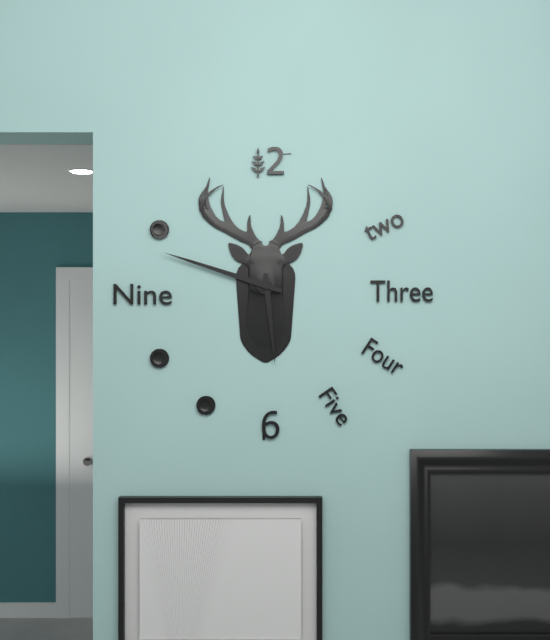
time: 5:48
